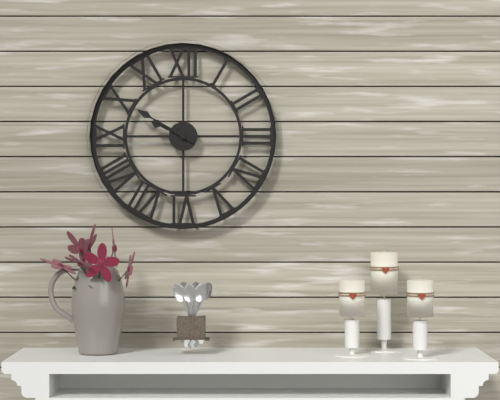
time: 9:50
